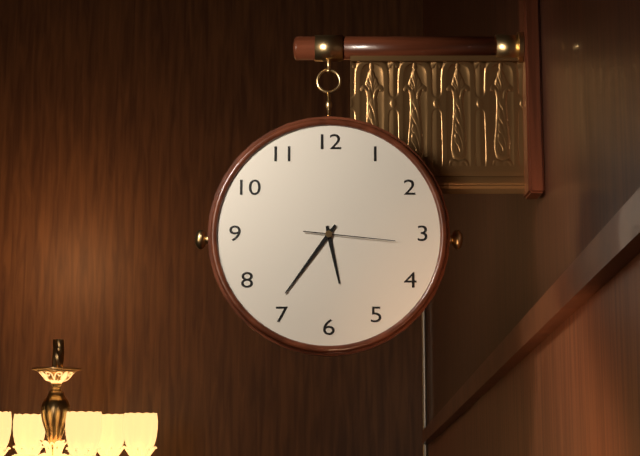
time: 5:36:16
